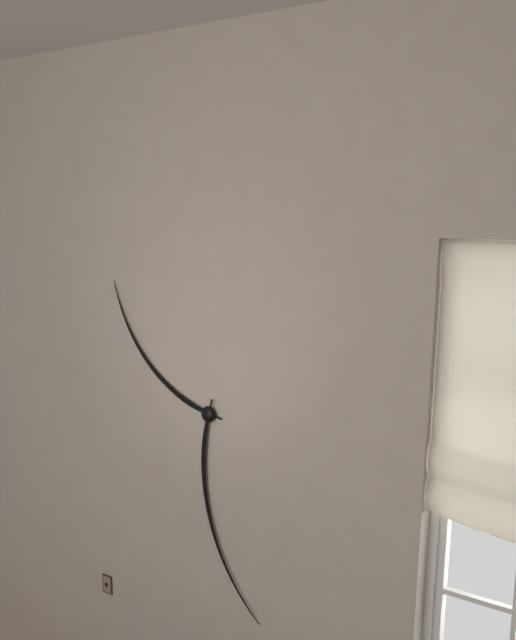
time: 10:27
